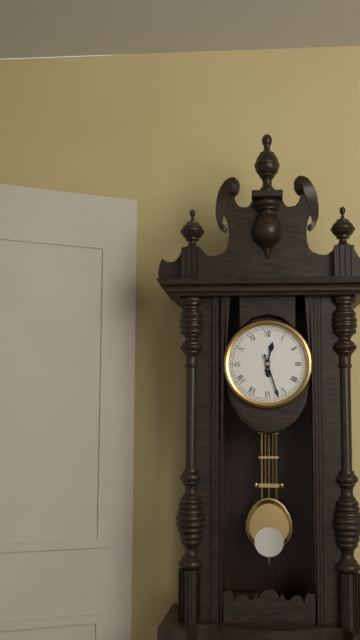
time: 12:27
